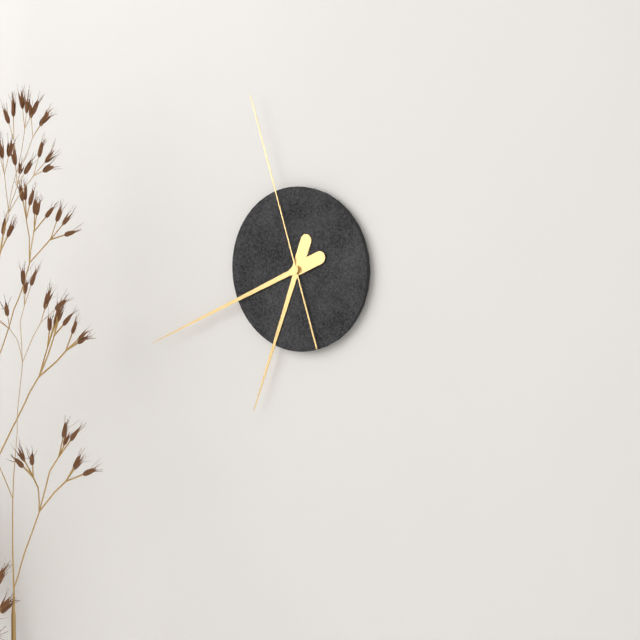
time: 6:41:57
